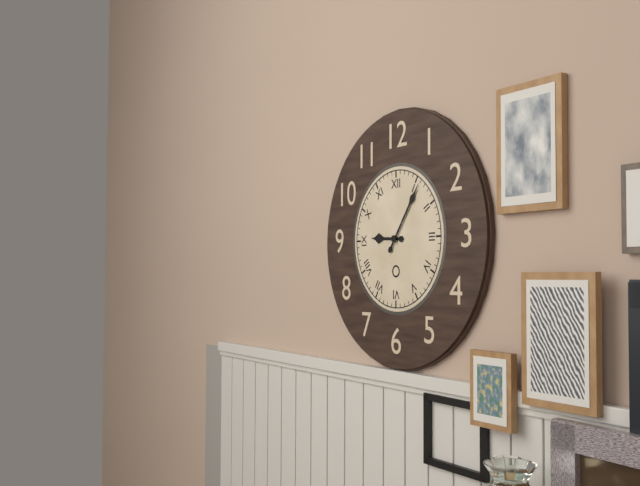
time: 9:06
